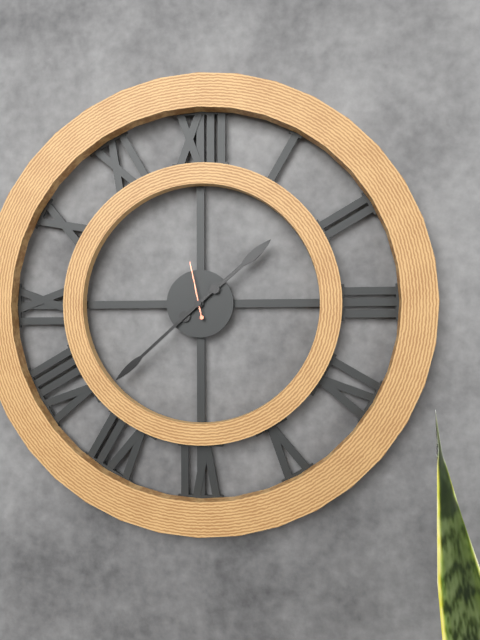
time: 1:38:58
